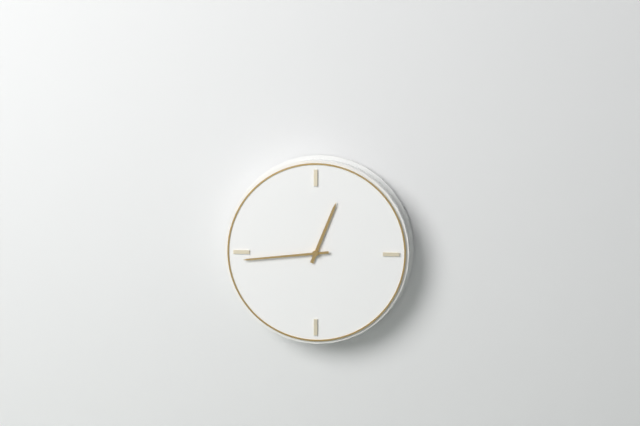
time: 12:44
